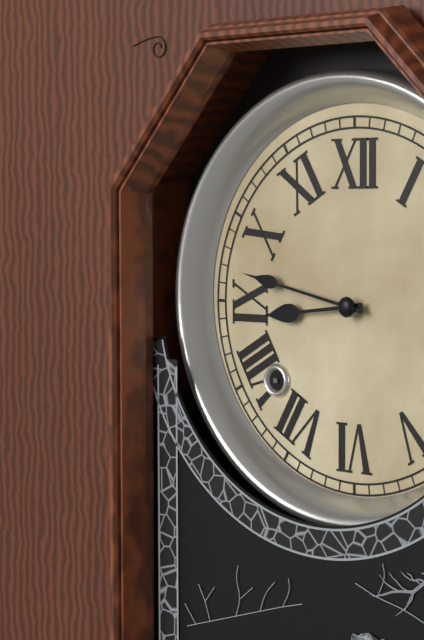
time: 8:47
